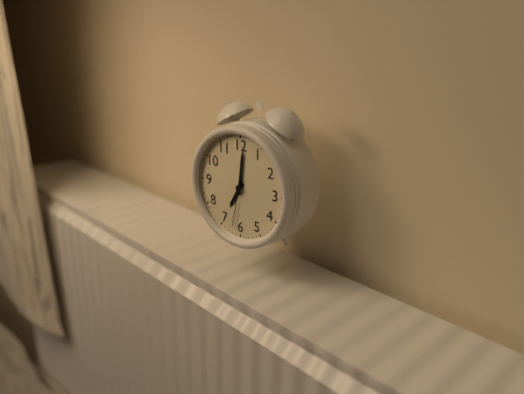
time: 7:01
